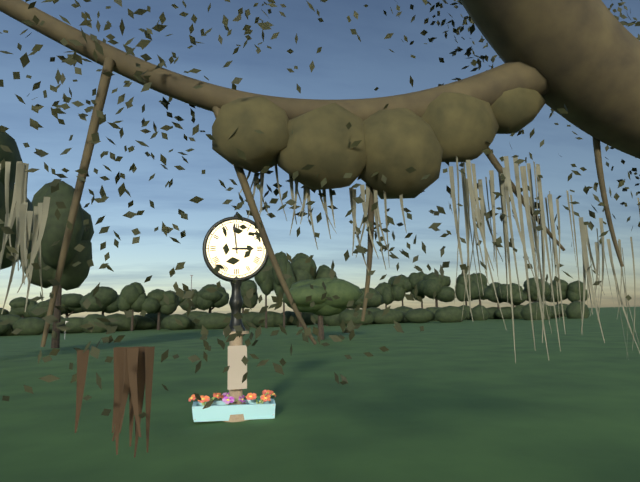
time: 2:59
